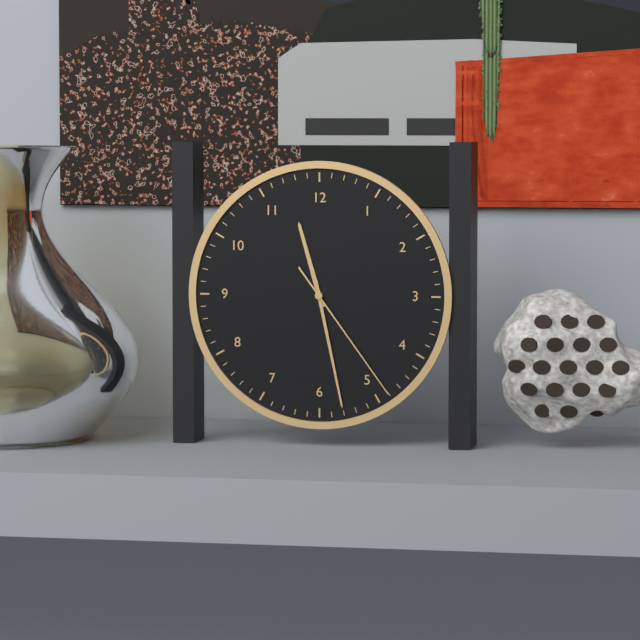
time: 11:28:24
